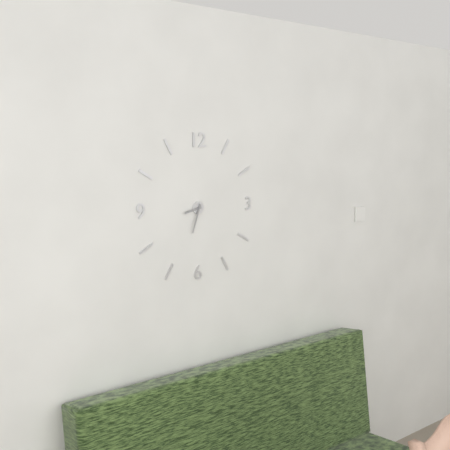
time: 8:33
